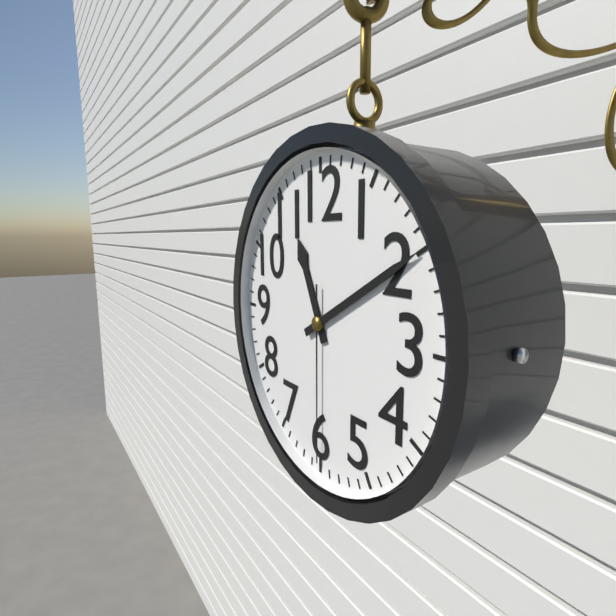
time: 11:10:30
